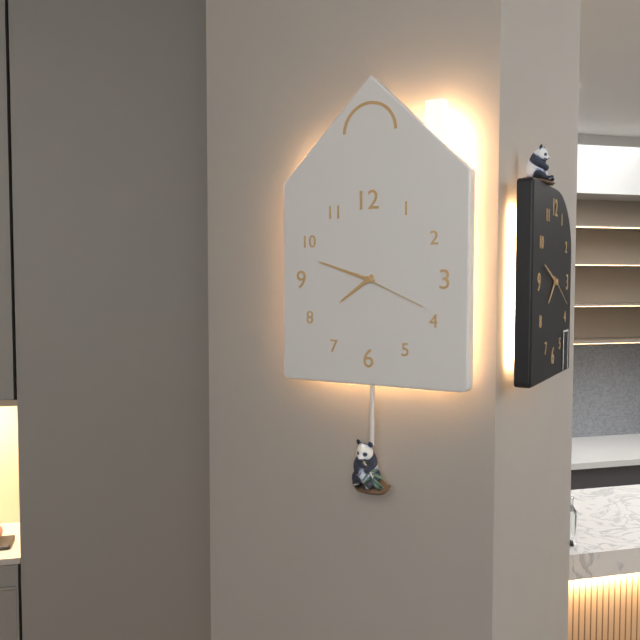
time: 7:48:19
